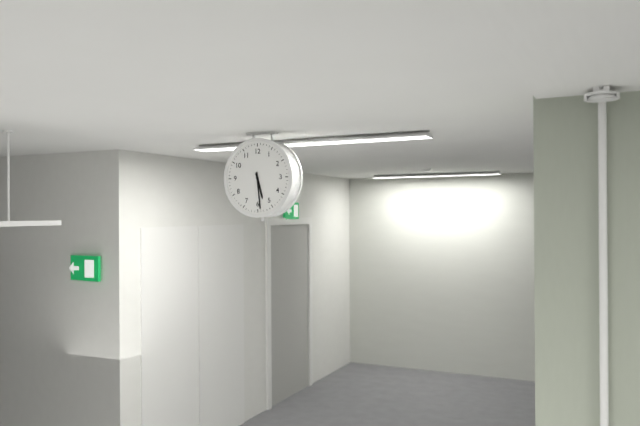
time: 5:29
